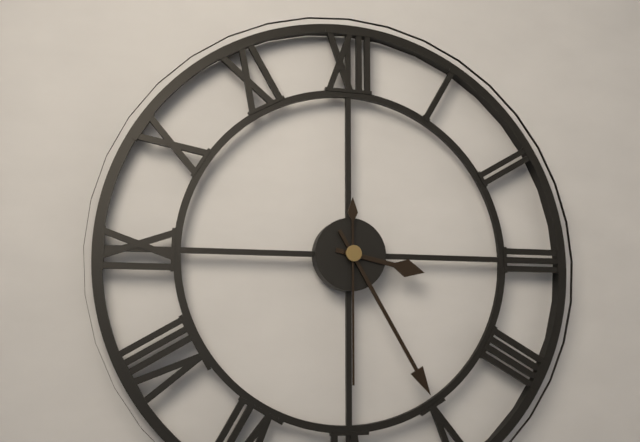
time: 3:25:30
